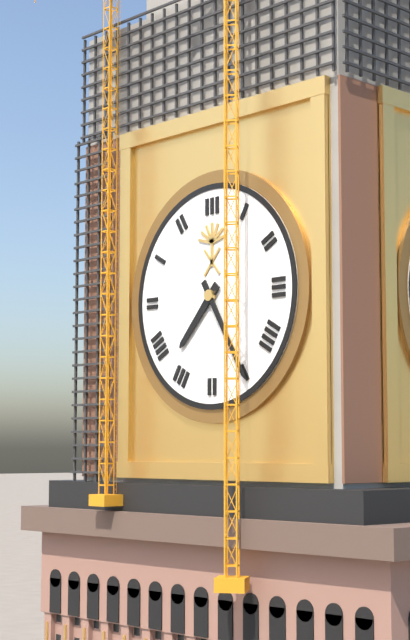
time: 7:25
